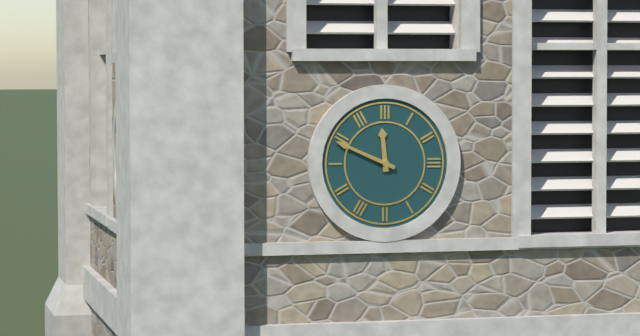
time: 11:49
